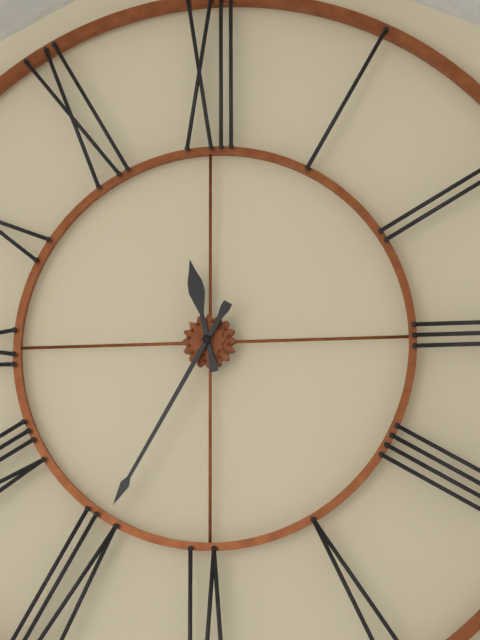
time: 11:35
